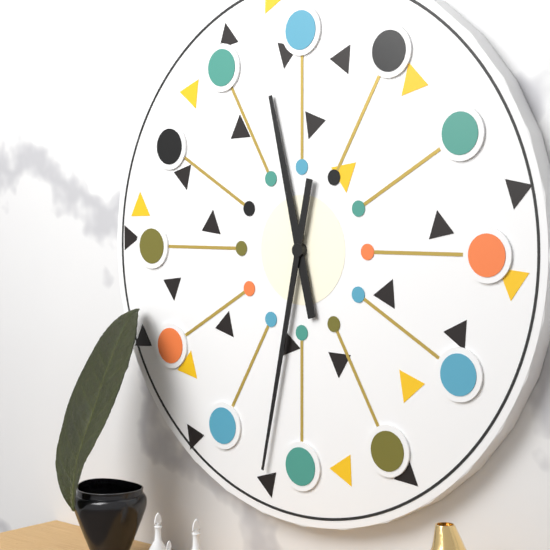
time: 11:32
